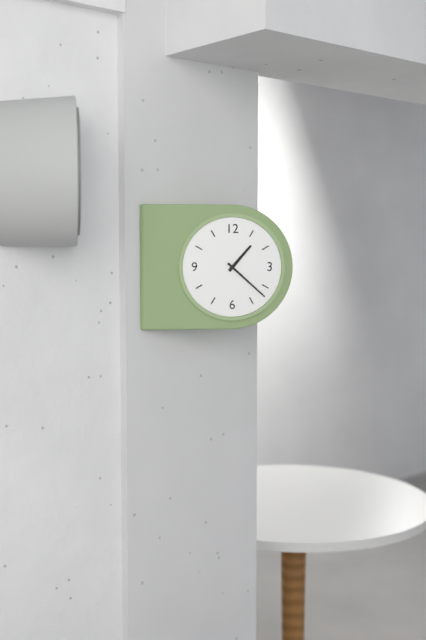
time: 1:22
